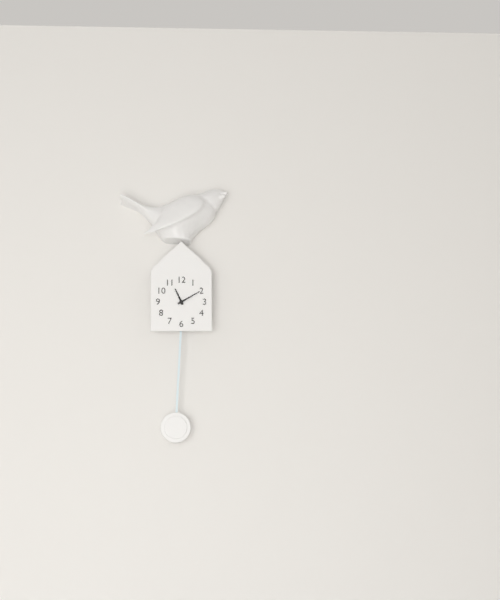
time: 11:10
